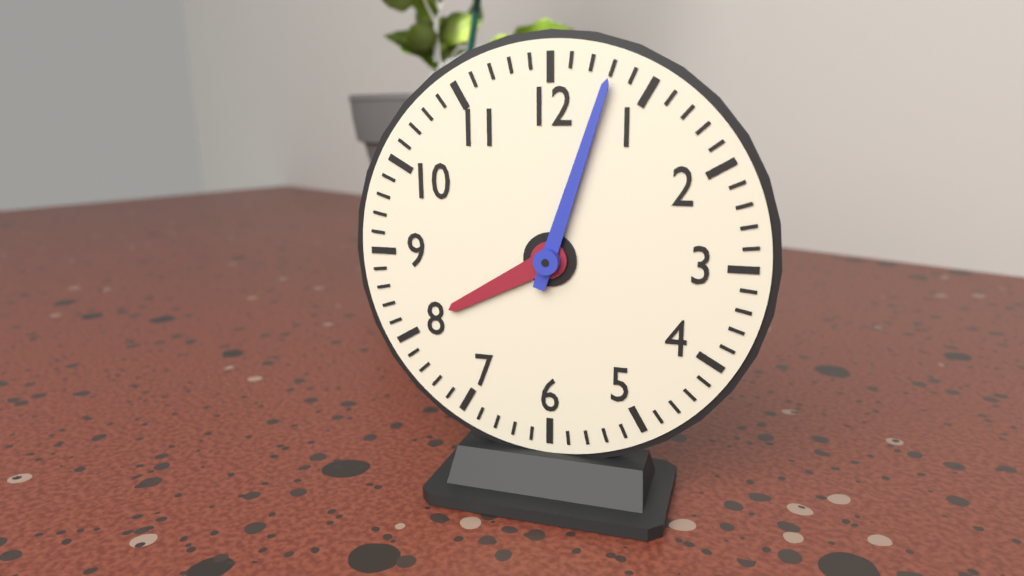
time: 8:03
